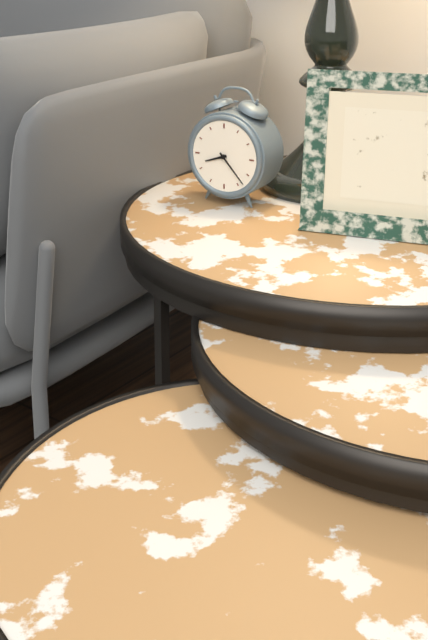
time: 8:23
